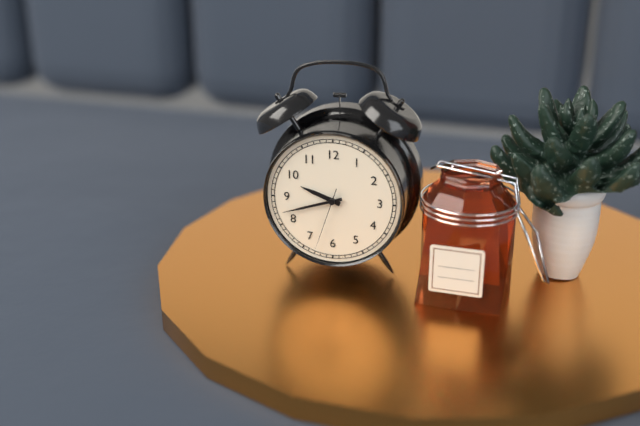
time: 9:42:33
